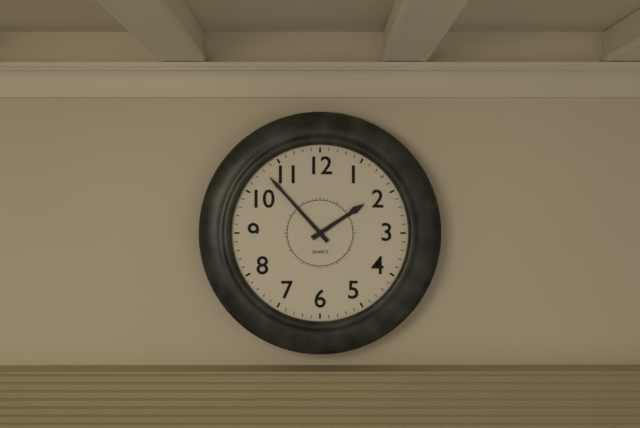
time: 1:53
